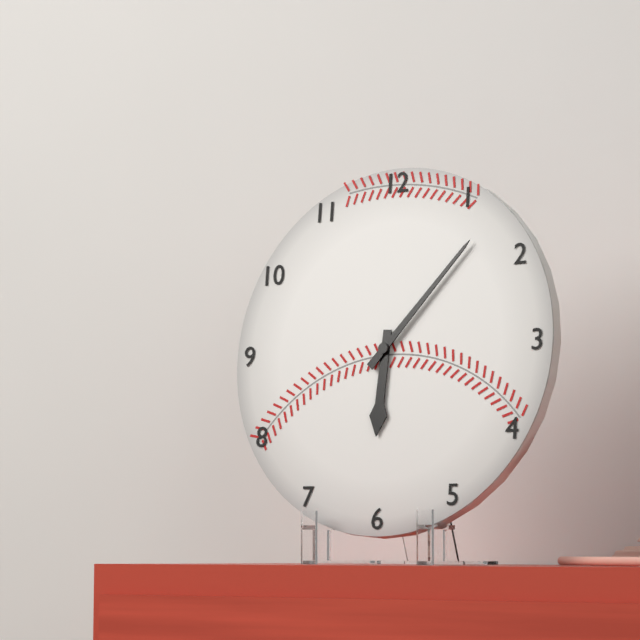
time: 6:07
